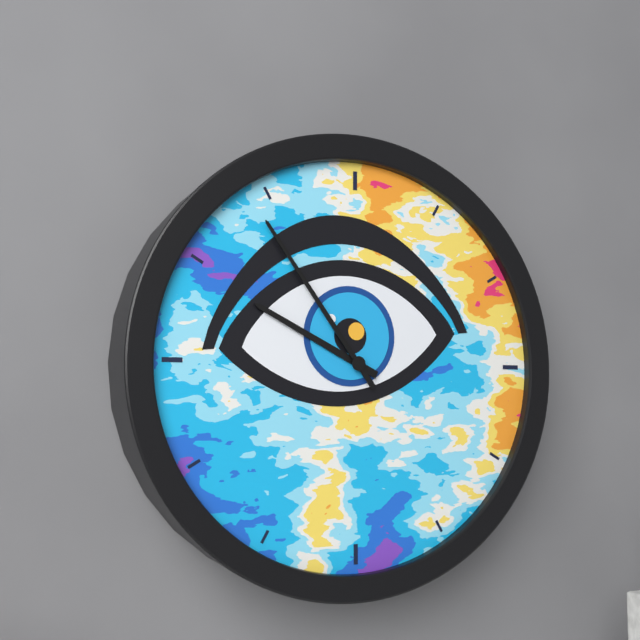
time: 9:54
